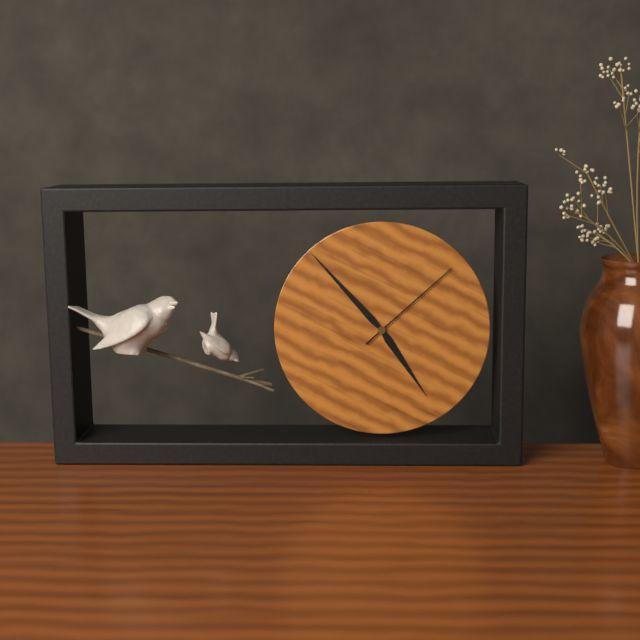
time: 4:53:08
